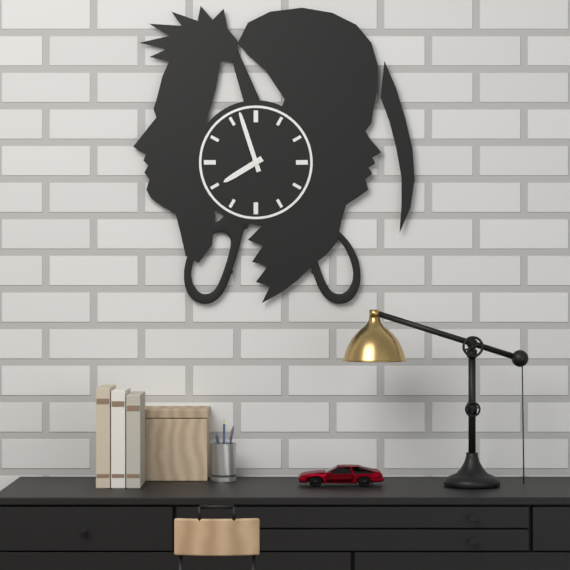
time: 7:57
